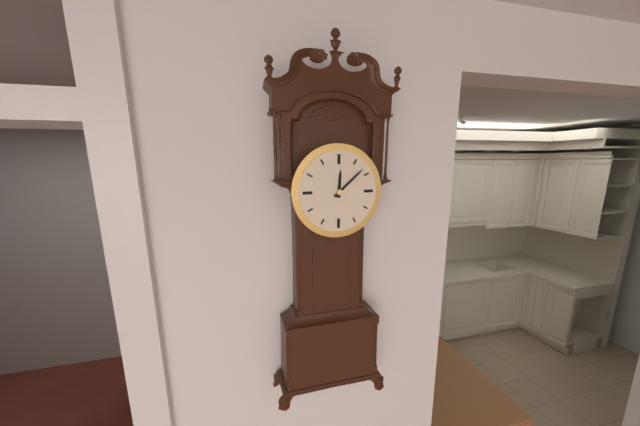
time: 12:08
